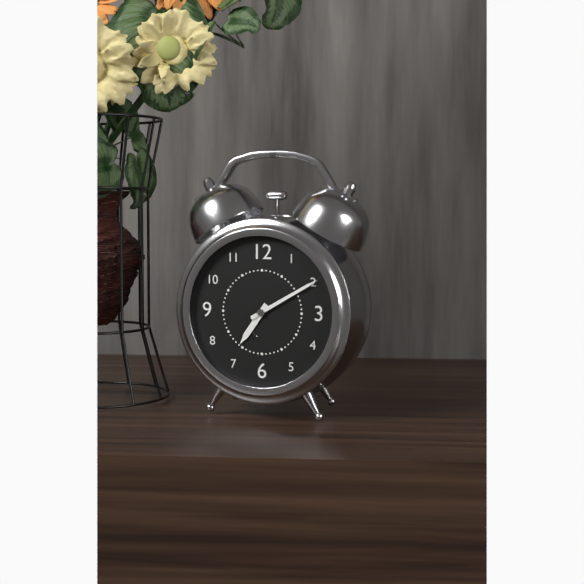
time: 7:10
